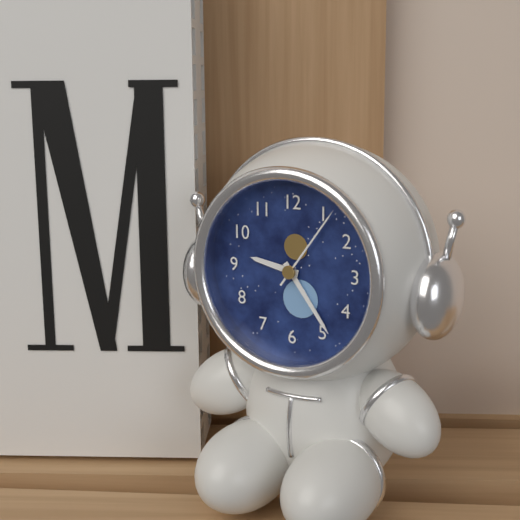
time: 9:24:06
